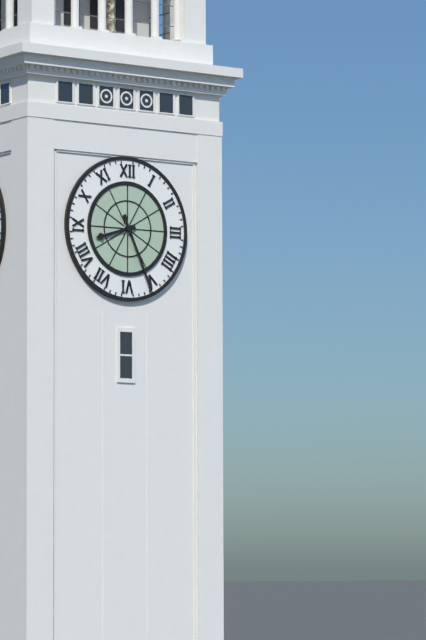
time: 8:26
